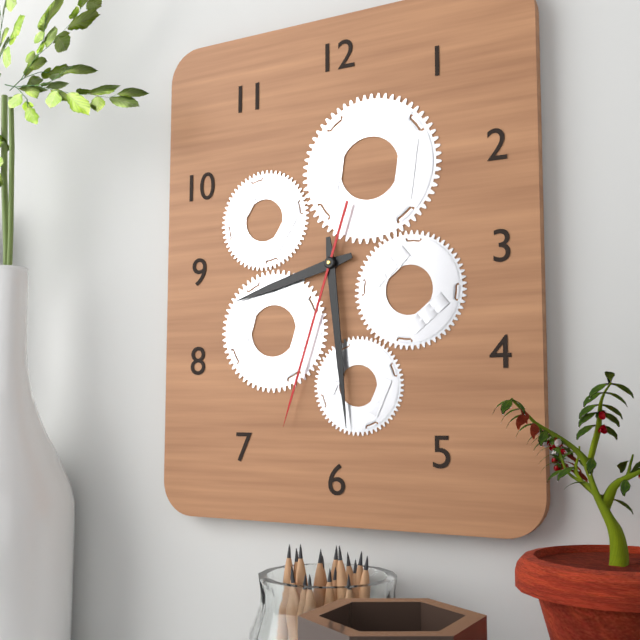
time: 8:29:33
